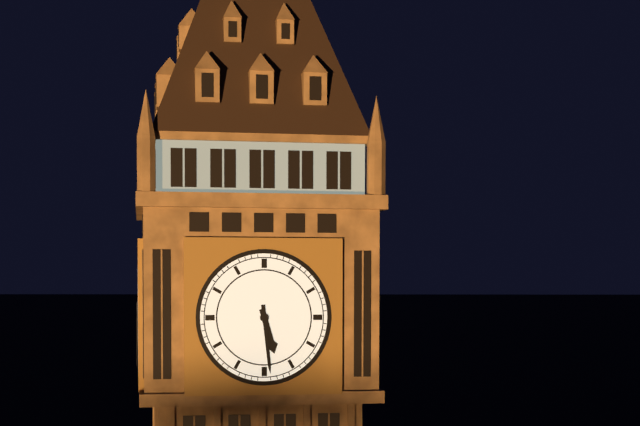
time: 5:29
